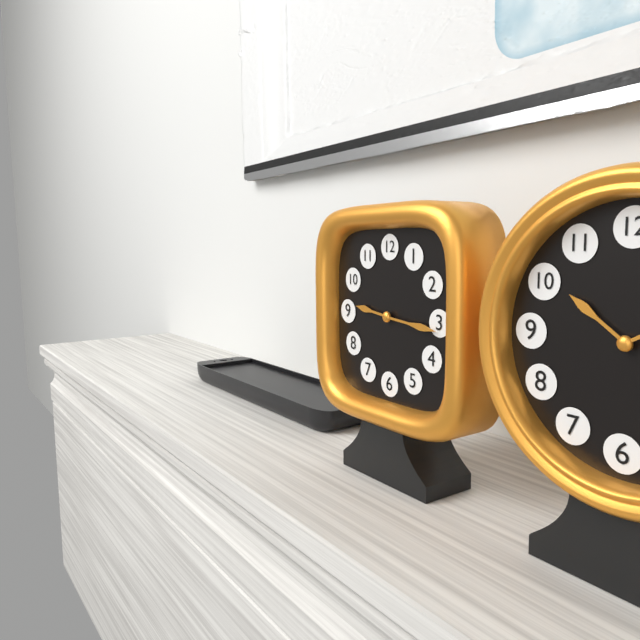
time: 9:16
